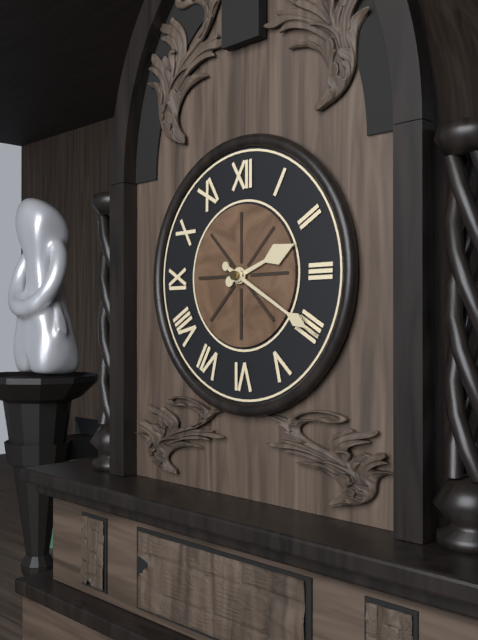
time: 2:20
